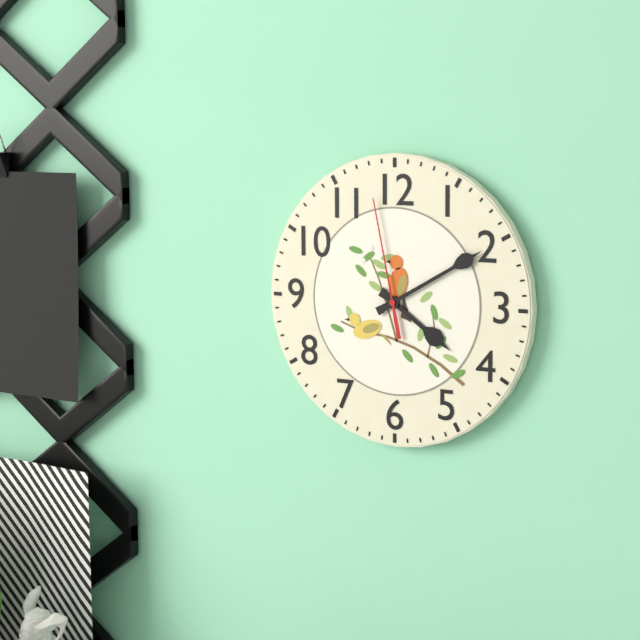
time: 4:10:58
